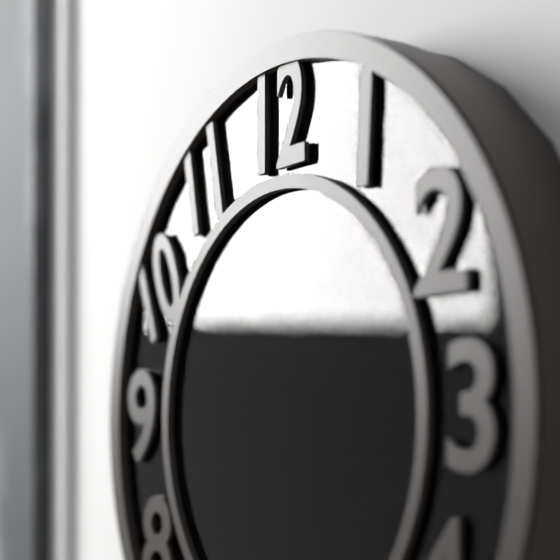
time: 6:59
